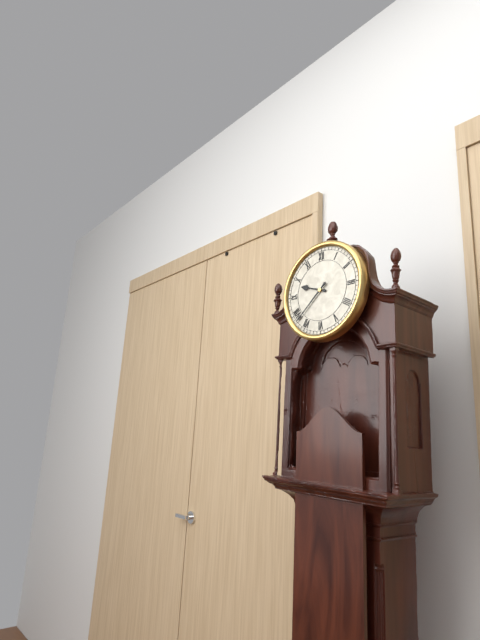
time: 9:38
